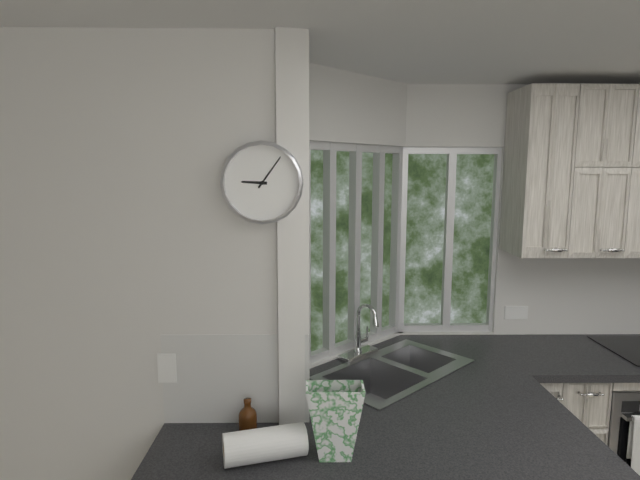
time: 9:06
